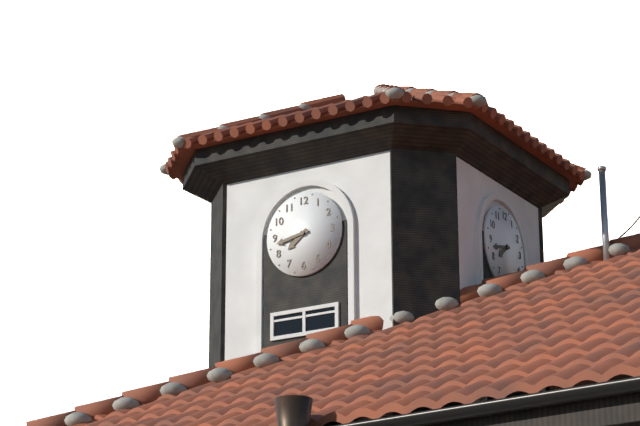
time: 7:43
